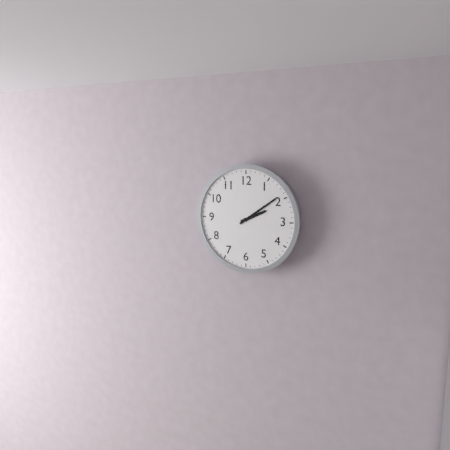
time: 2:09
